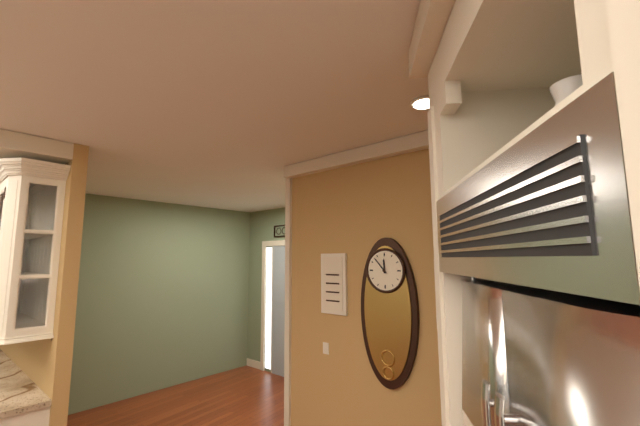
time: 11:53
